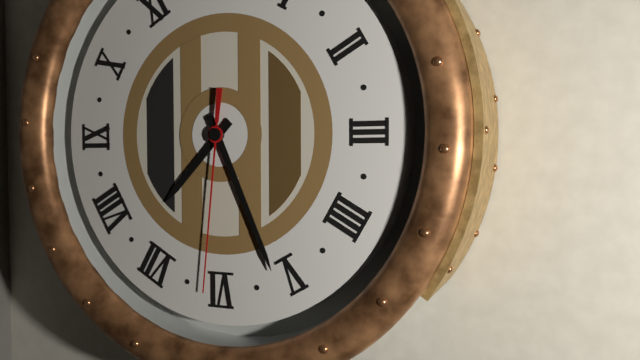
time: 7:26:31
